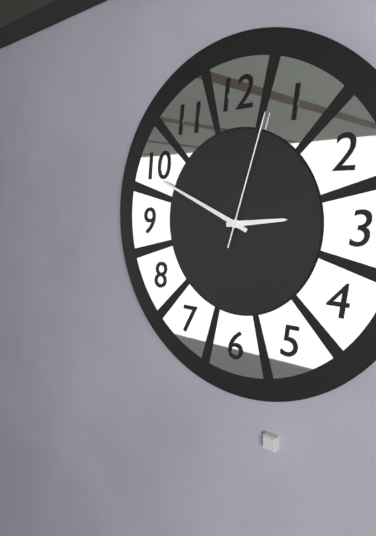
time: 2:49:03
